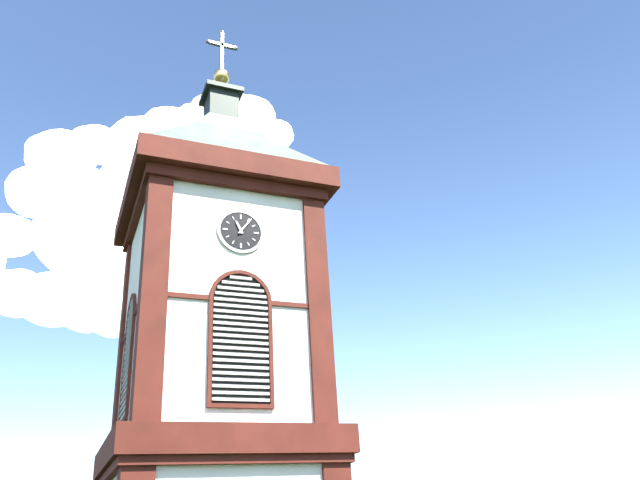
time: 11:06
